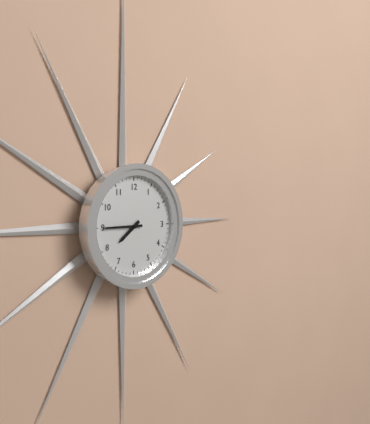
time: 7:45
